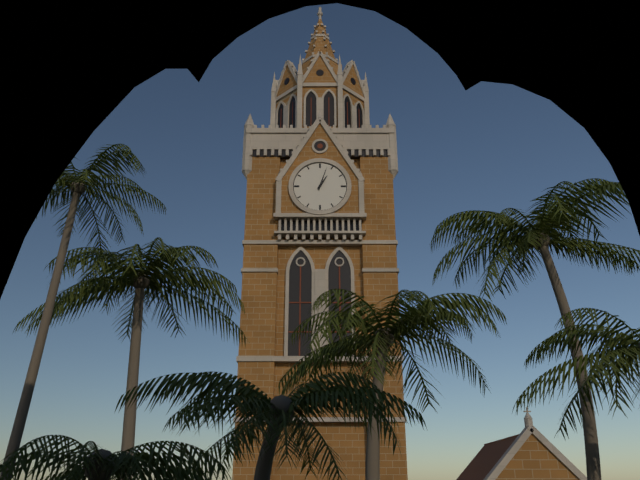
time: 1:03
